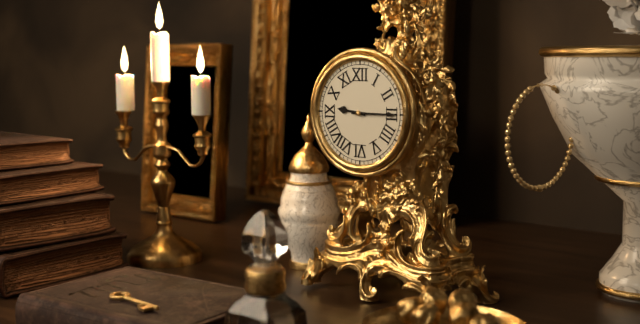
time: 9:15
